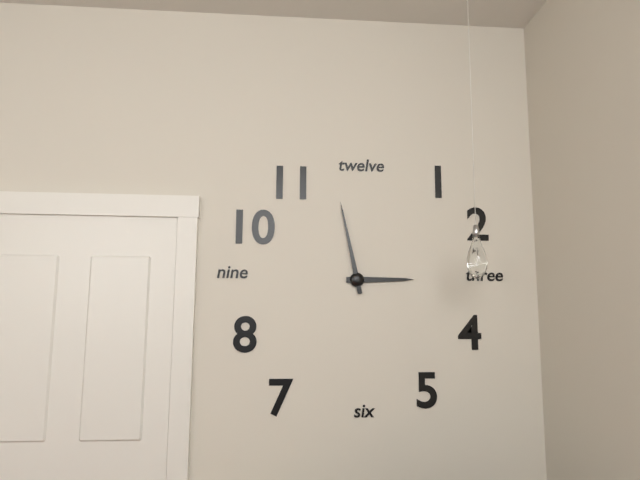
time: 2:58
